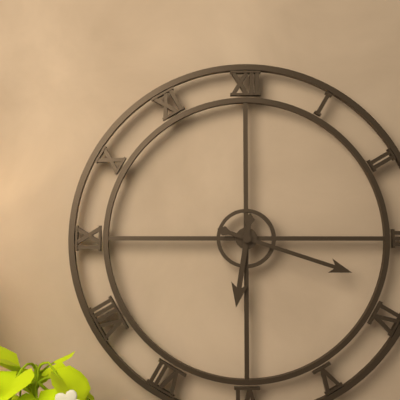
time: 6:18
